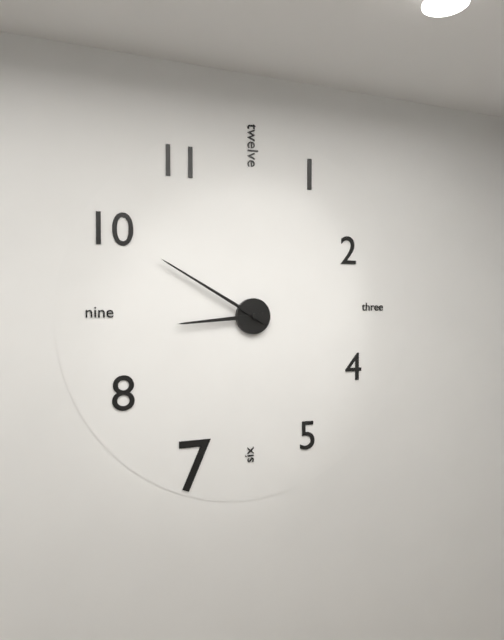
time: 8:50
